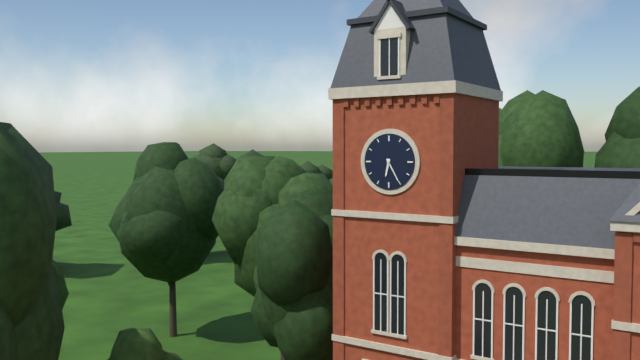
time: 6:25
